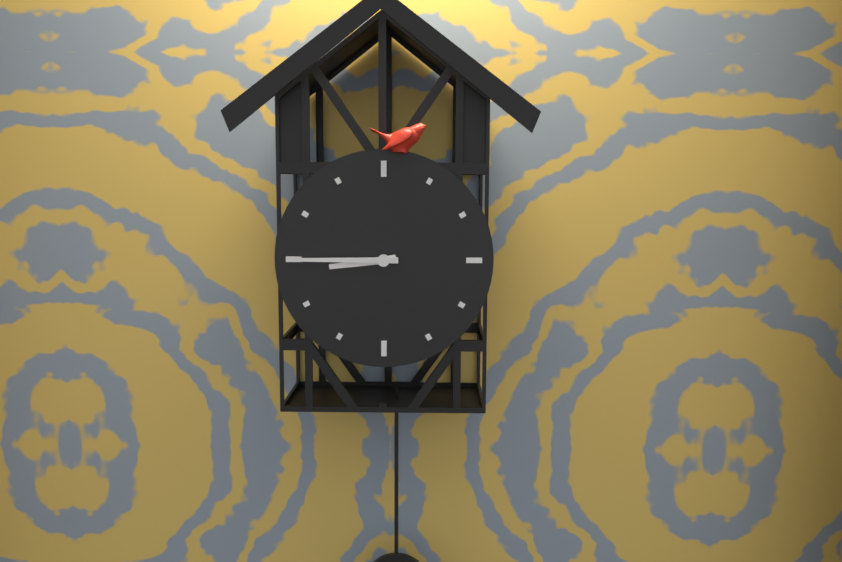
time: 8:45
